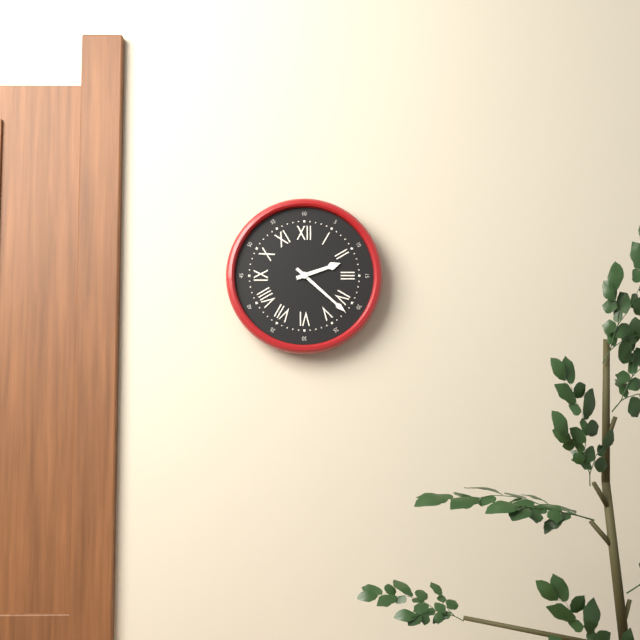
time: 2:22
